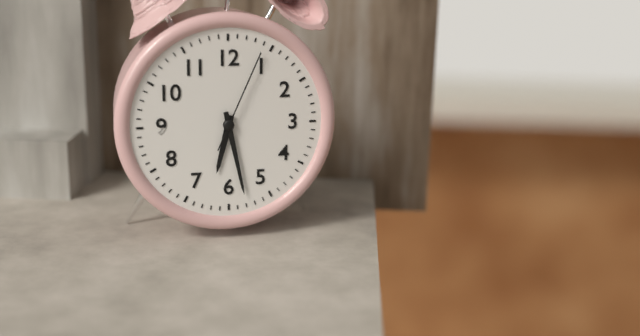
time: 6:28:04
